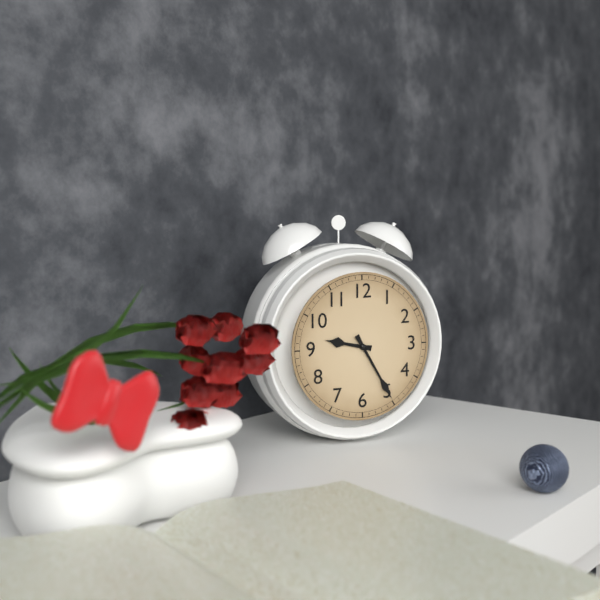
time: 9:25
